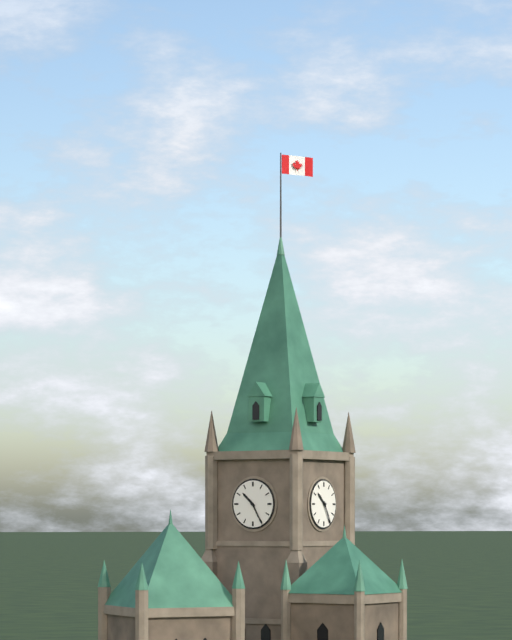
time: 10:25
